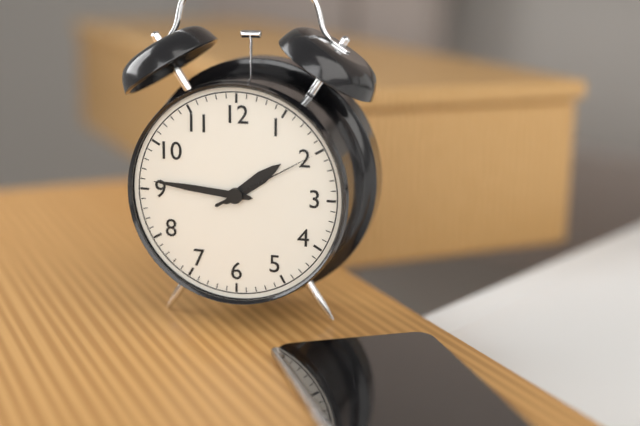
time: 1:46:10
